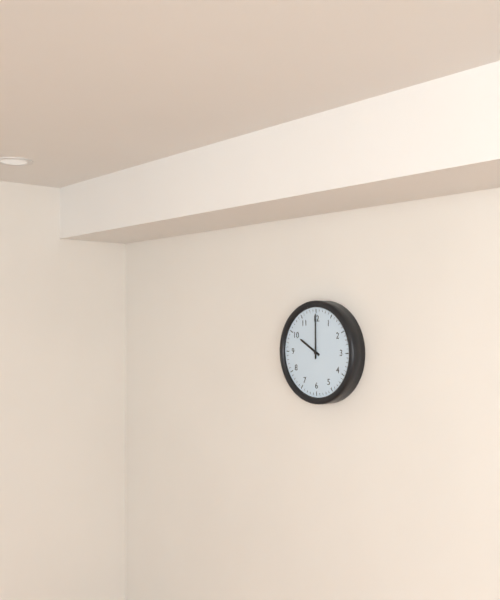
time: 10:00
